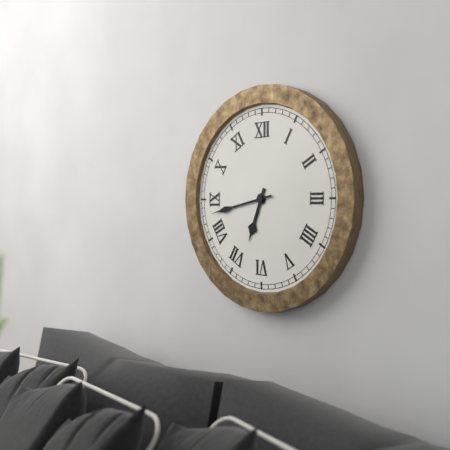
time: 6:43
